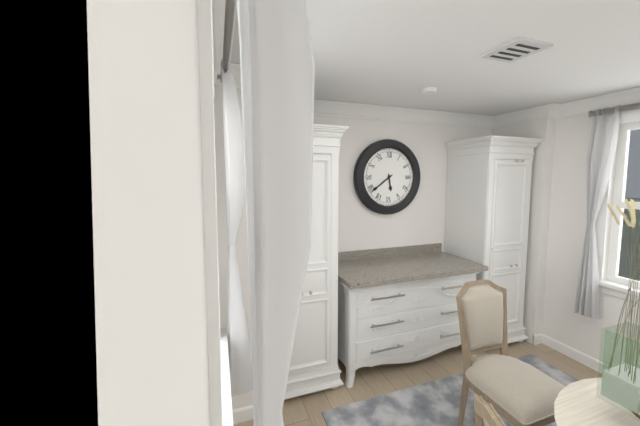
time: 5:39
